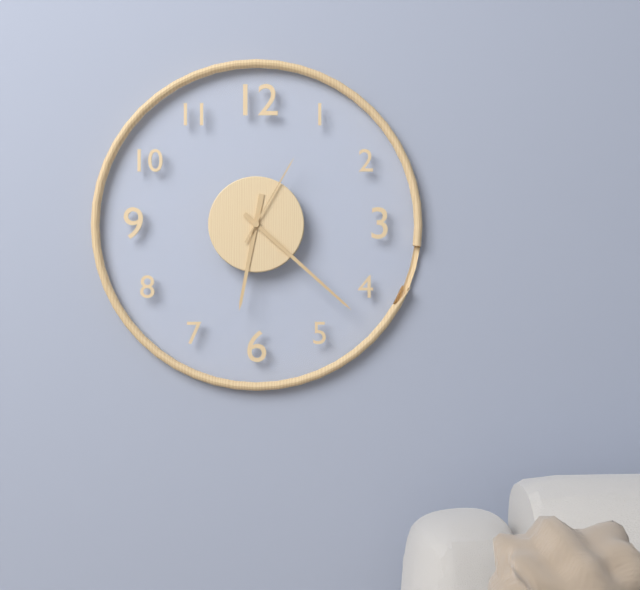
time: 6:22:05
